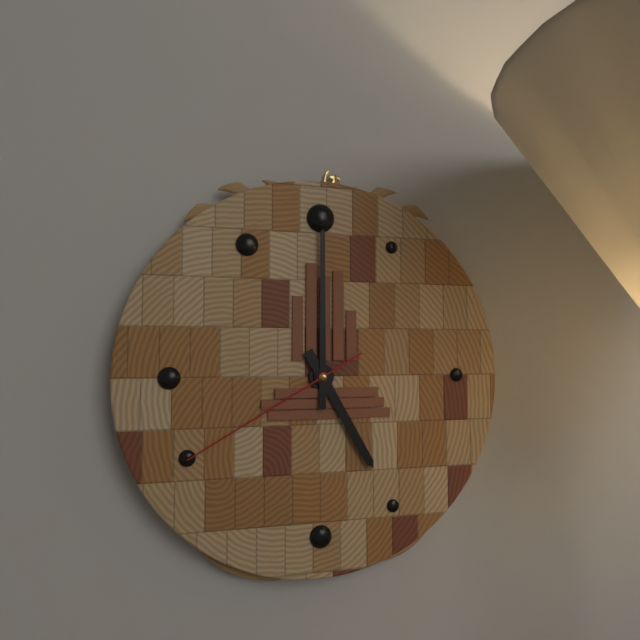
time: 5:00:40
